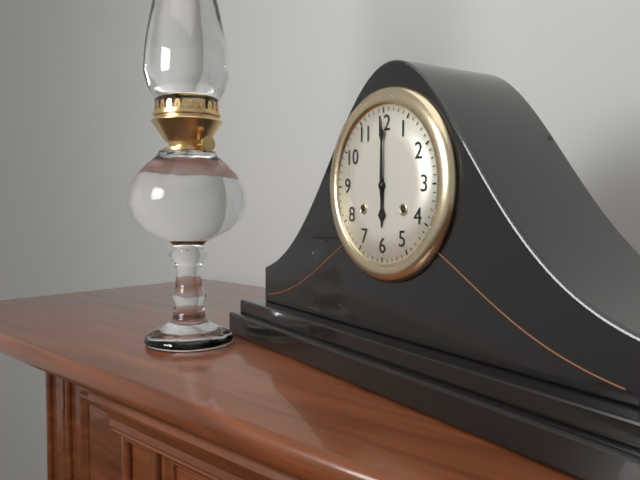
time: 6:00
